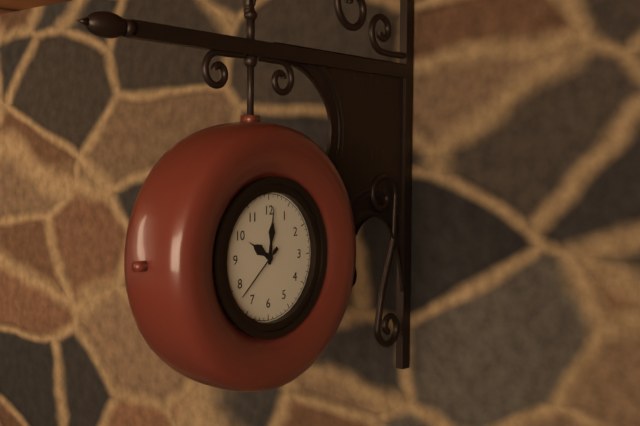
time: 10:01:38
